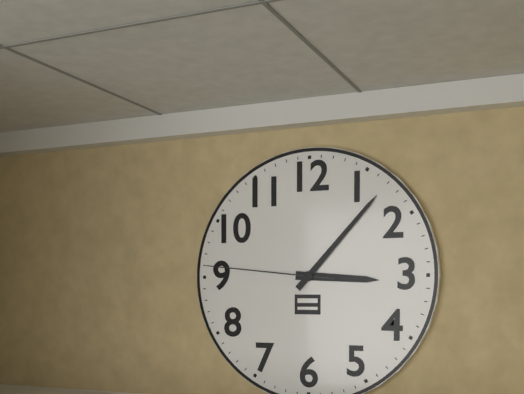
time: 3:07:46
